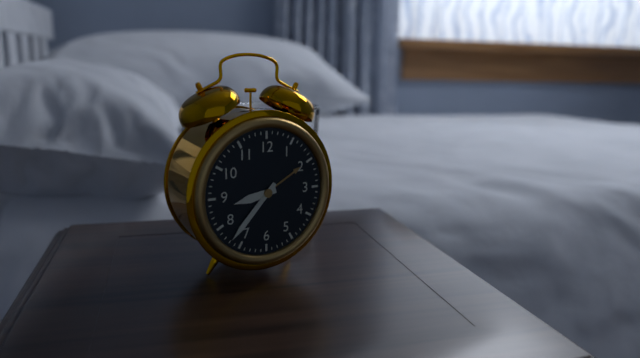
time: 8:37
